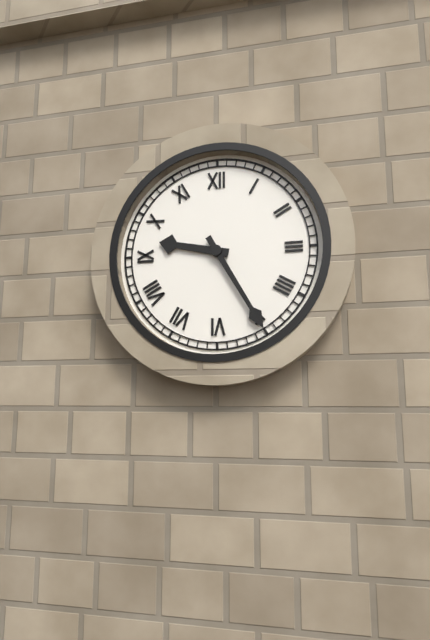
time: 9:25
